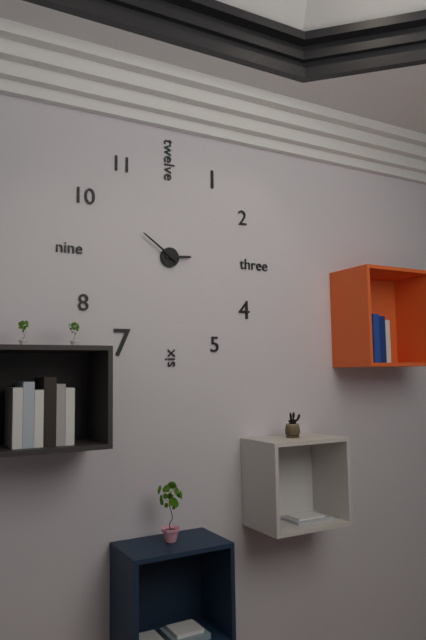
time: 2:51
